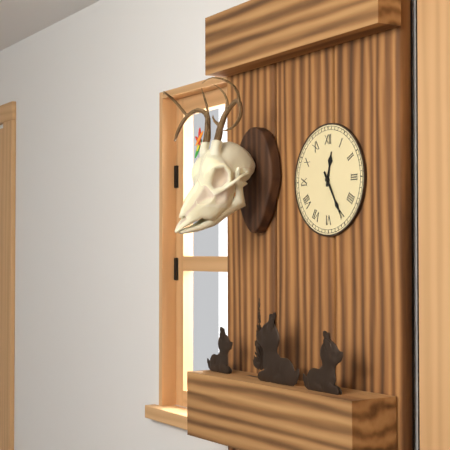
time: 12:25
